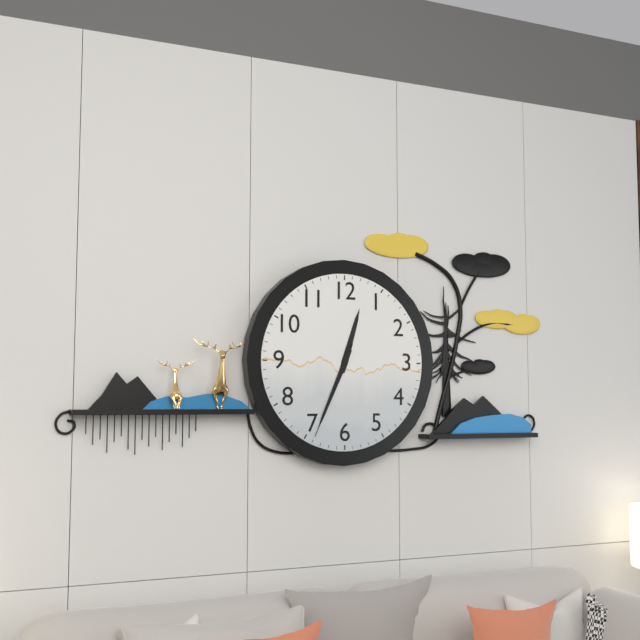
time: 12:34:34
